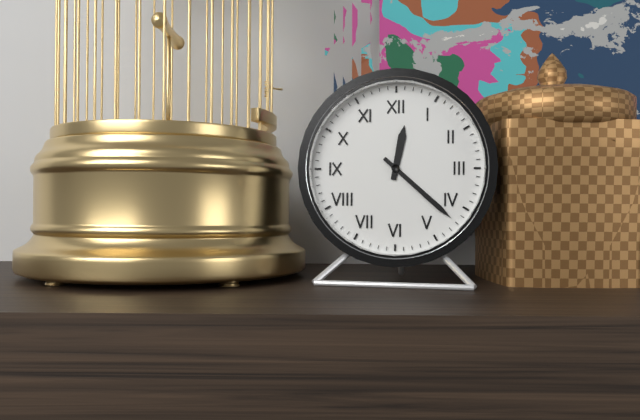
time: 12:22
